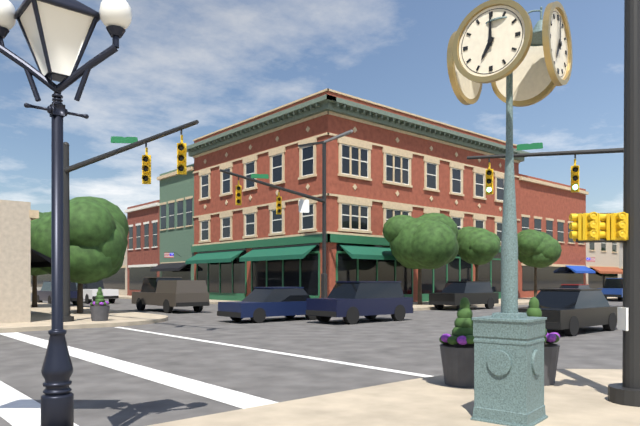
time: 7:00
